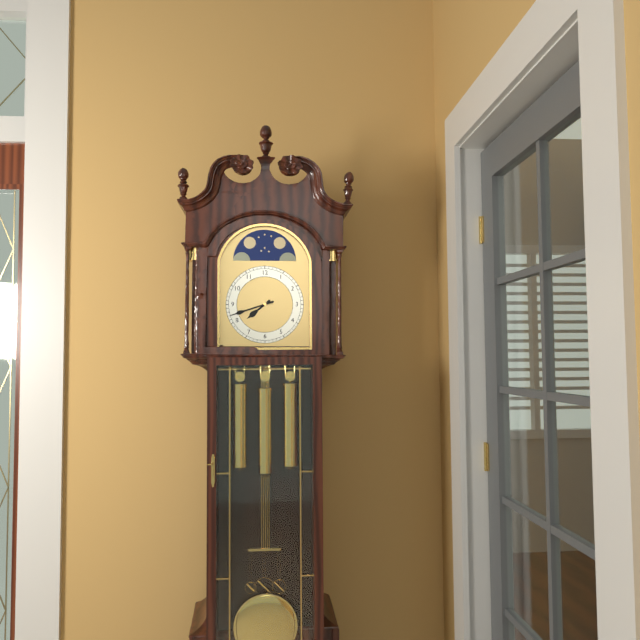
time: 7:42
